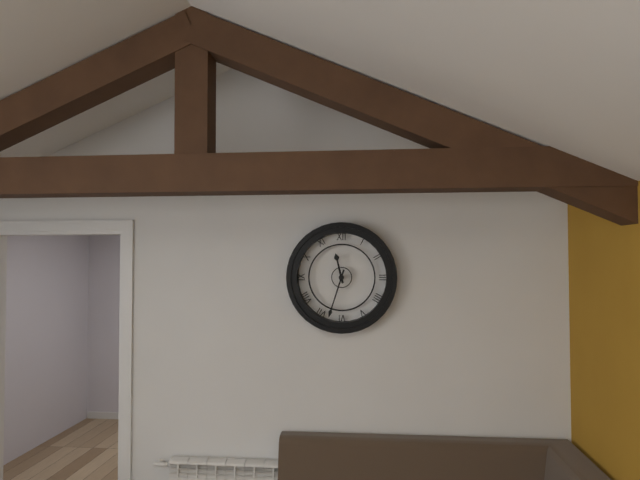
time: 11:33
